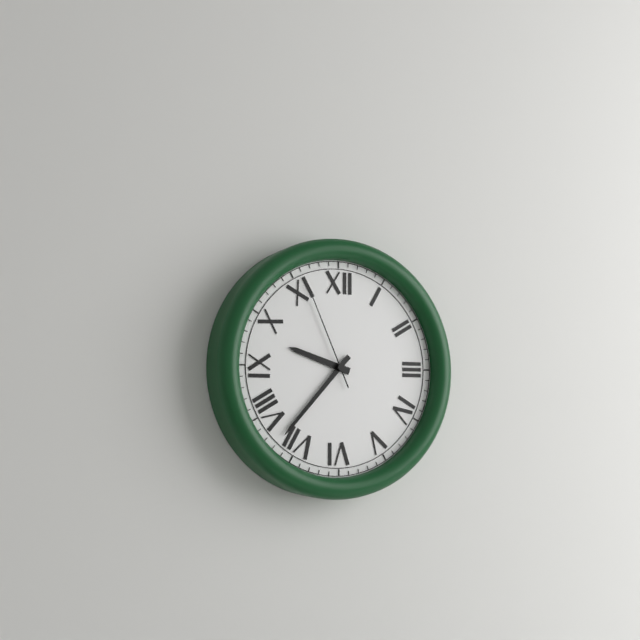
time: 9:37:56
